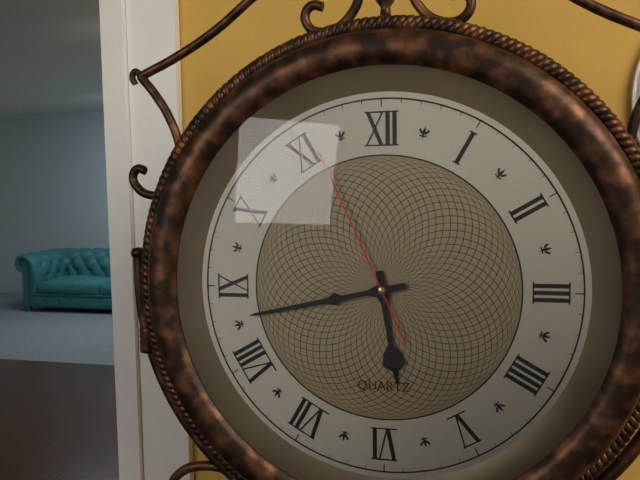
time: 5:43:56
